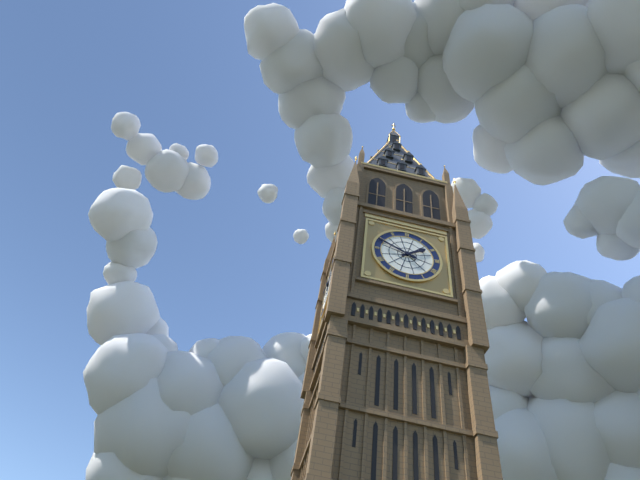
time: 1:49
